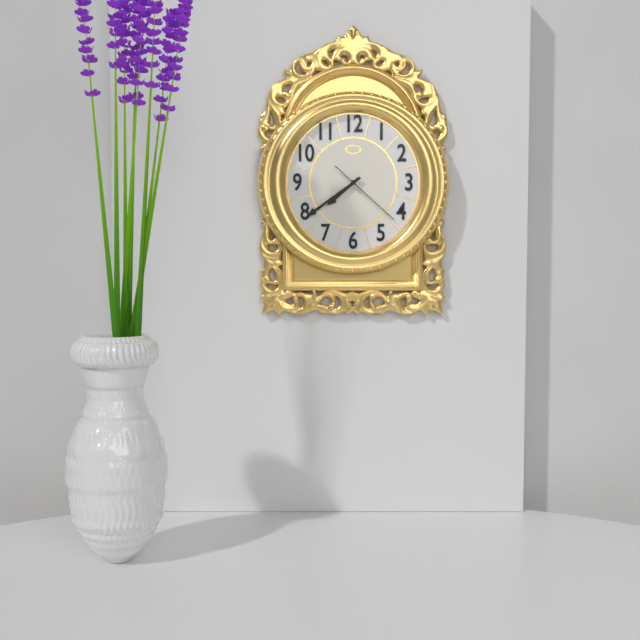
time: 7:39:22
